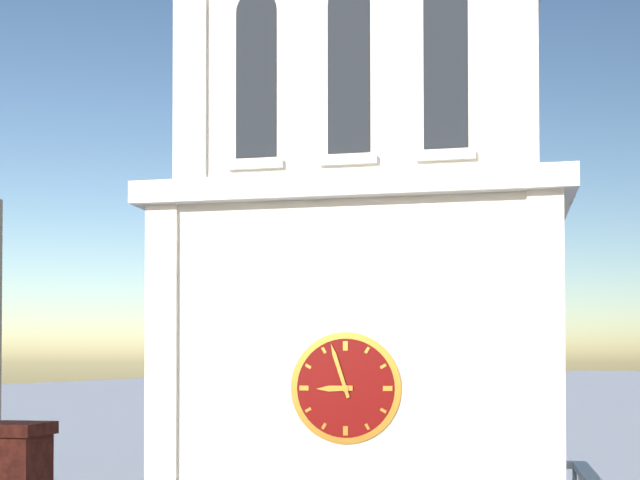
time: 8:57
